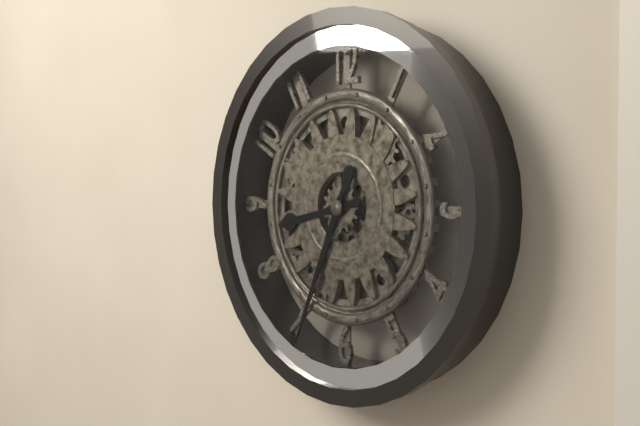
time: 8:34
